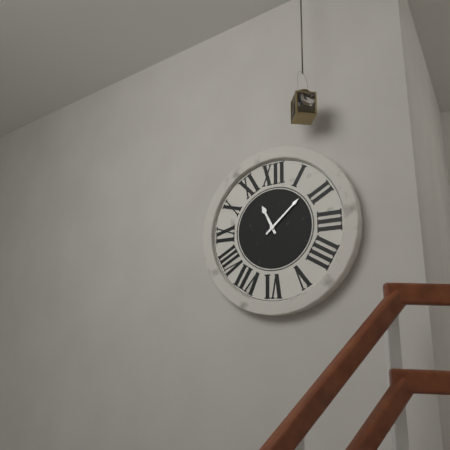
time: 11:08
